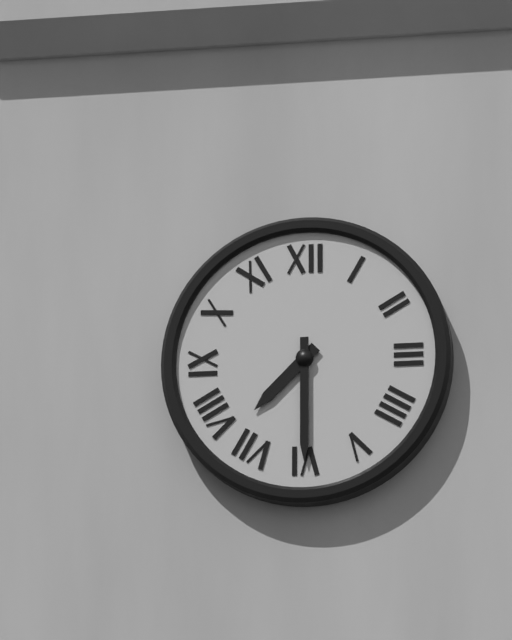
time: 7:30
